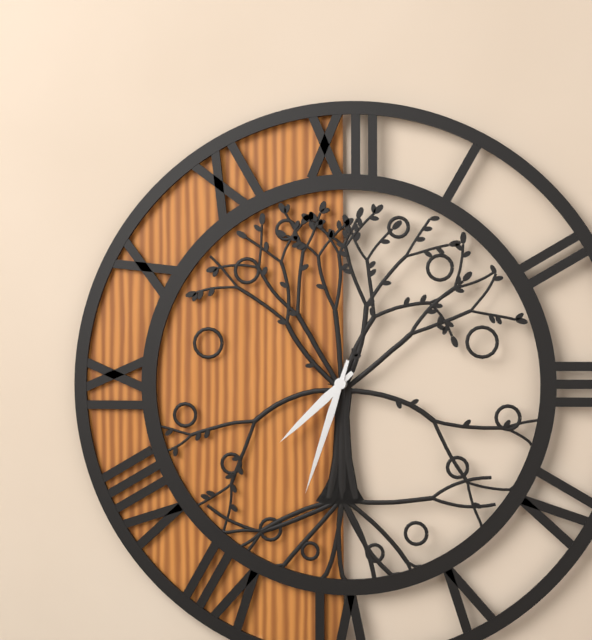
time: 7:33
